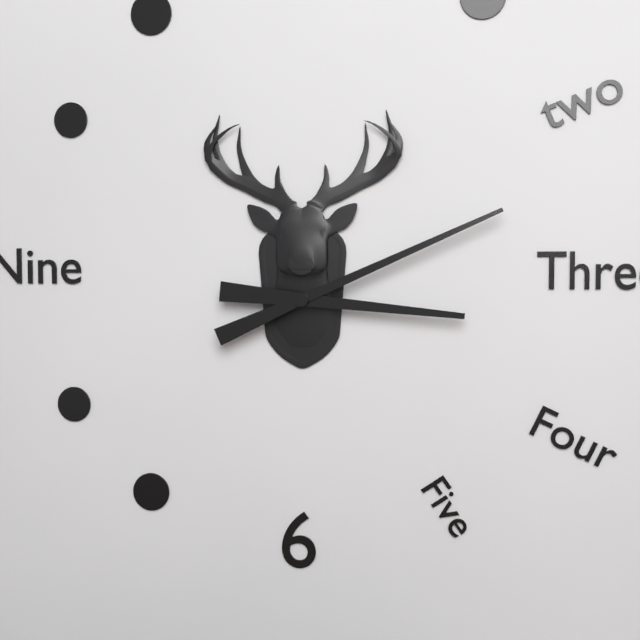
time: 3:11
